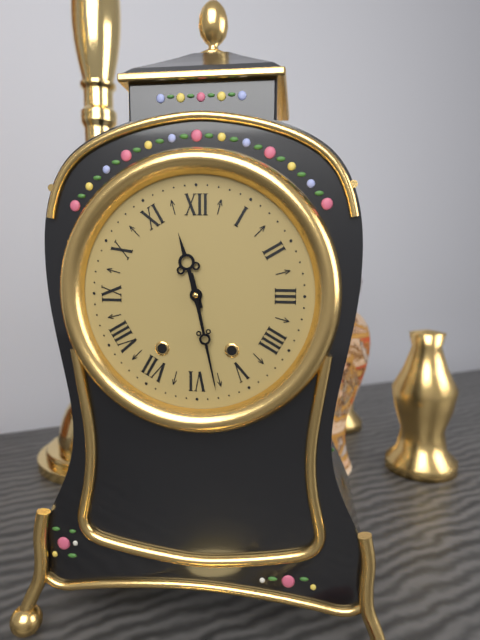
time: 11:28
